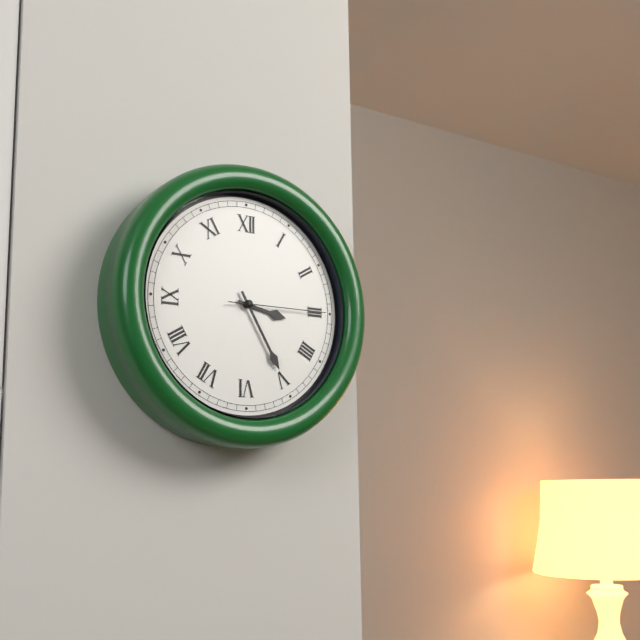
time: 3:25:15
